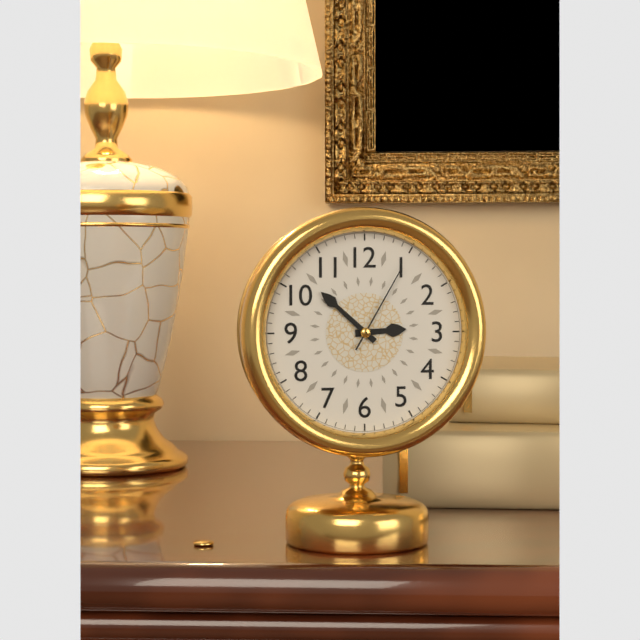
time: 2:52:05
